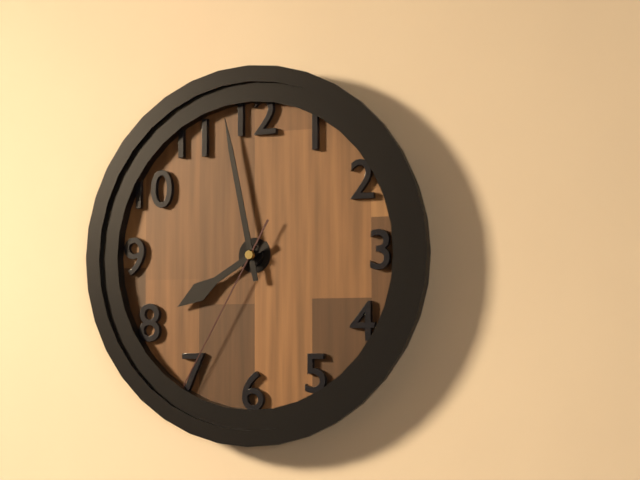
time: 7:58:35
